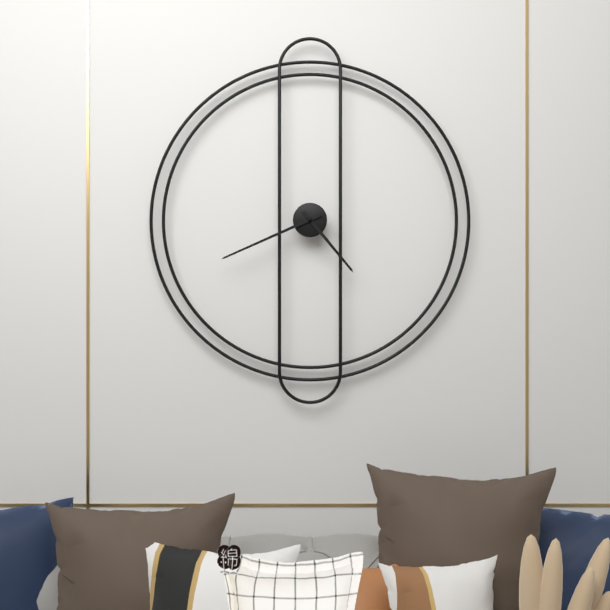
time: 4:41
